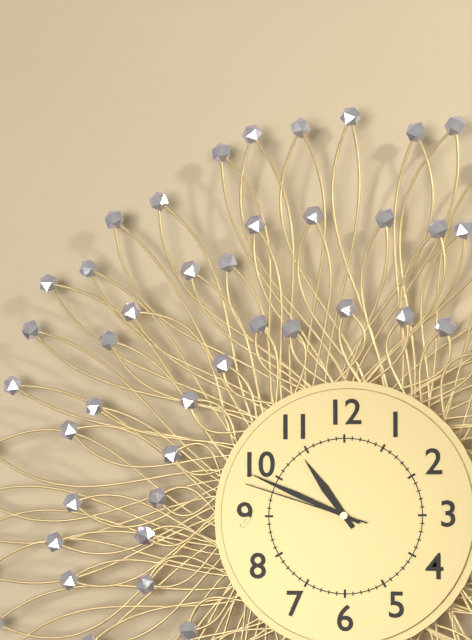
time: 10:49:48
